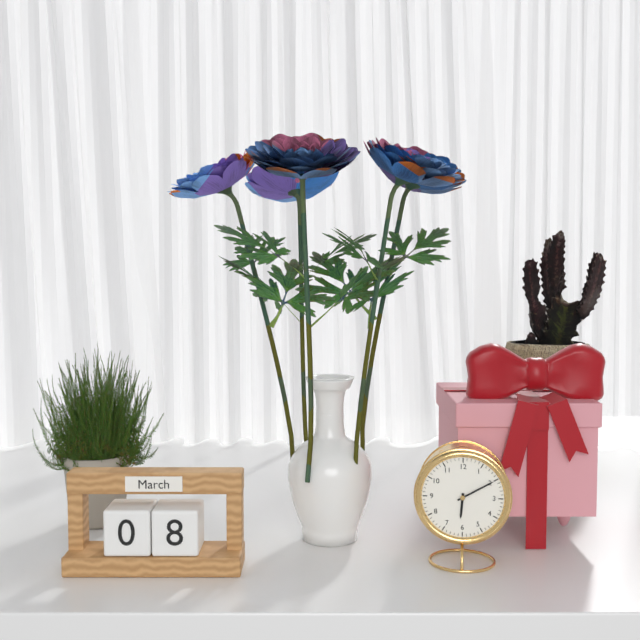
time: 6:10
